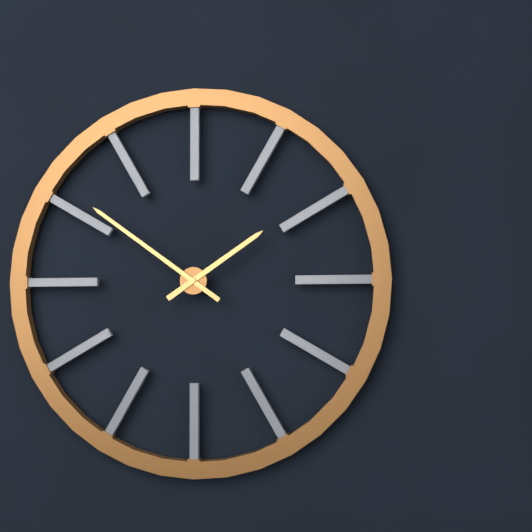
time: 1:51
